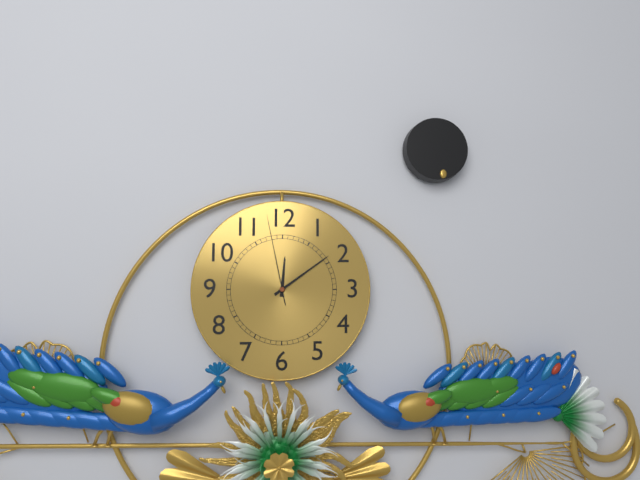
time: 12:09:58
